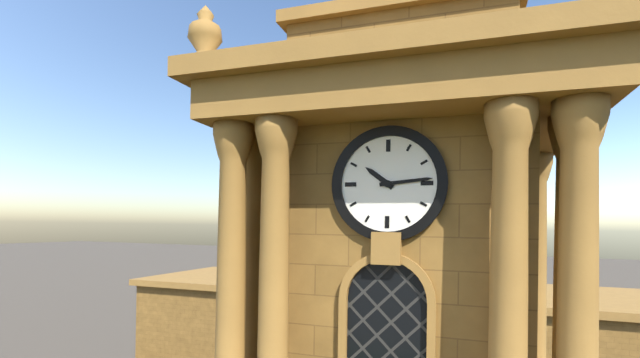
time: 10:14
